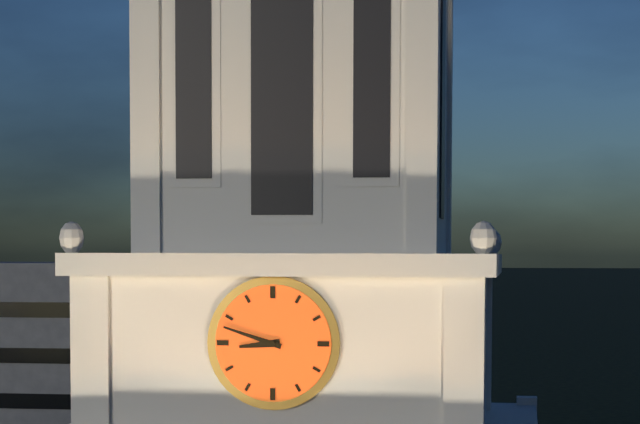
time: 8:48
